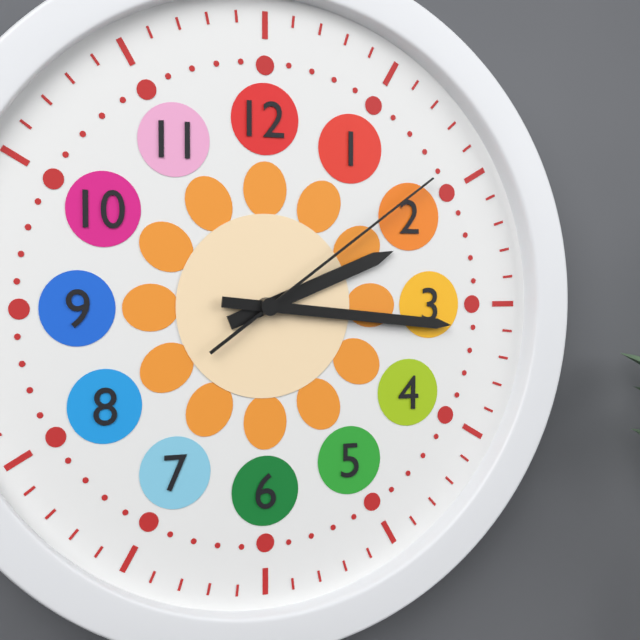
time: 2:16:09
